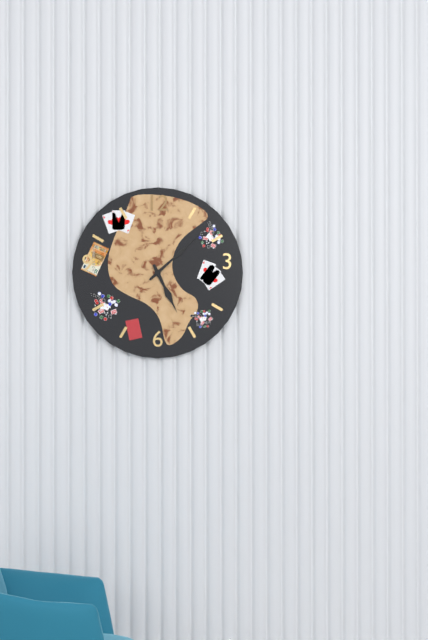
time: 5:08
